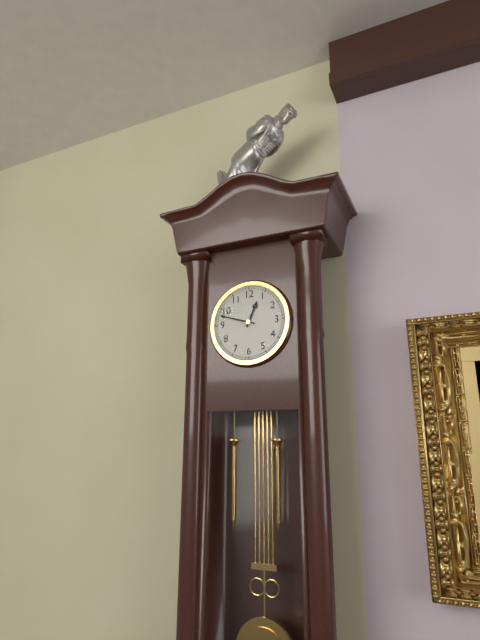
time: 12:48
